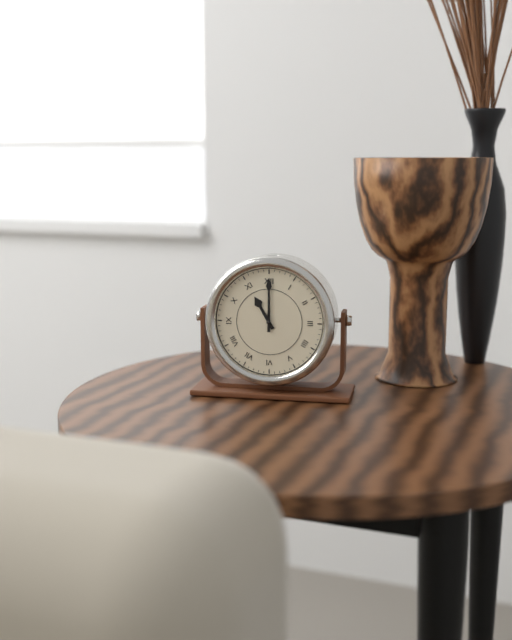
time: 11:00
